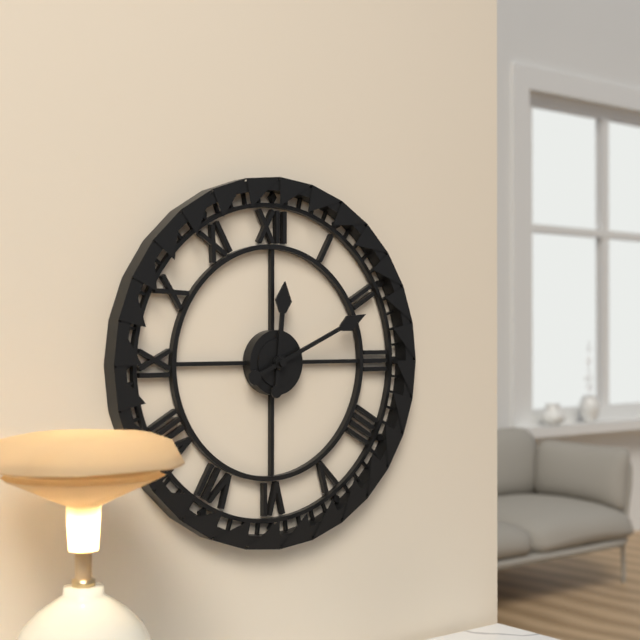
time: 12:11
